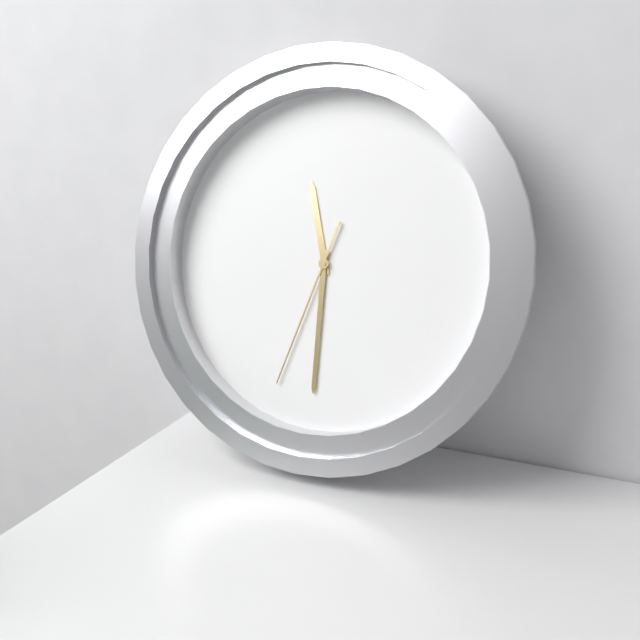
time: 11:30:33
